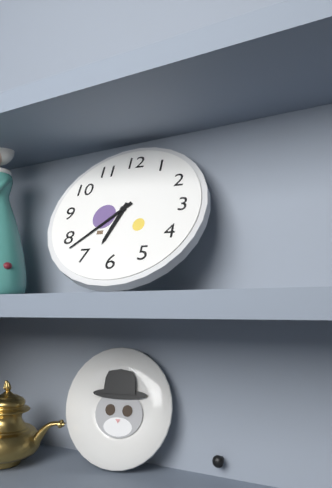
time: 6:38
